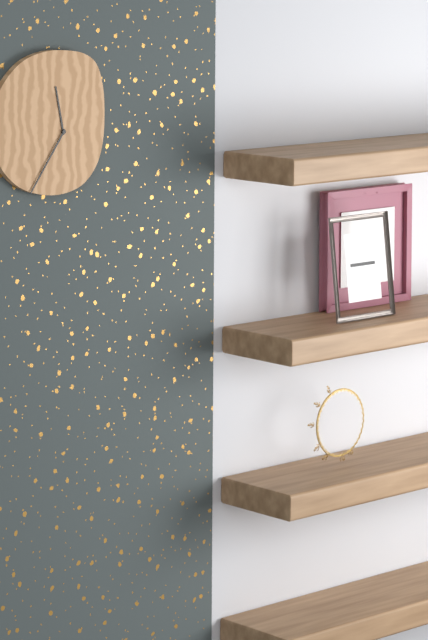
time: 11:36
